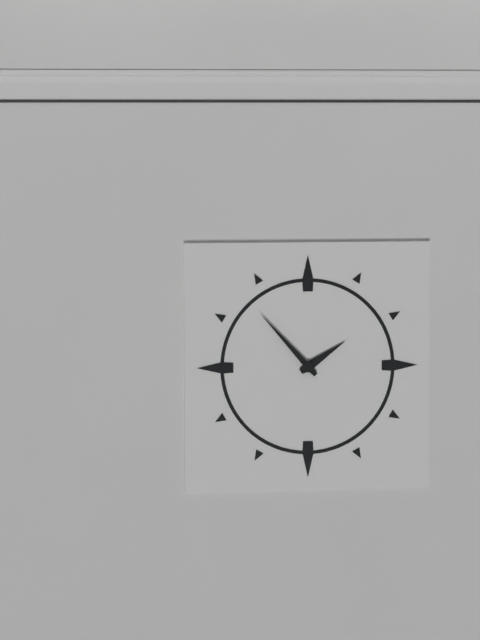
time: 1:53
